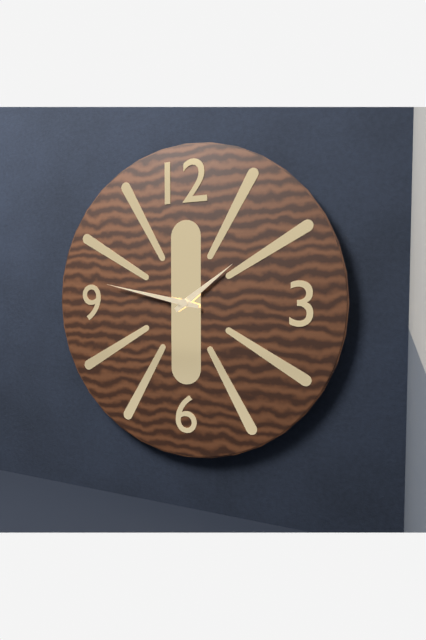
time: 1:47
